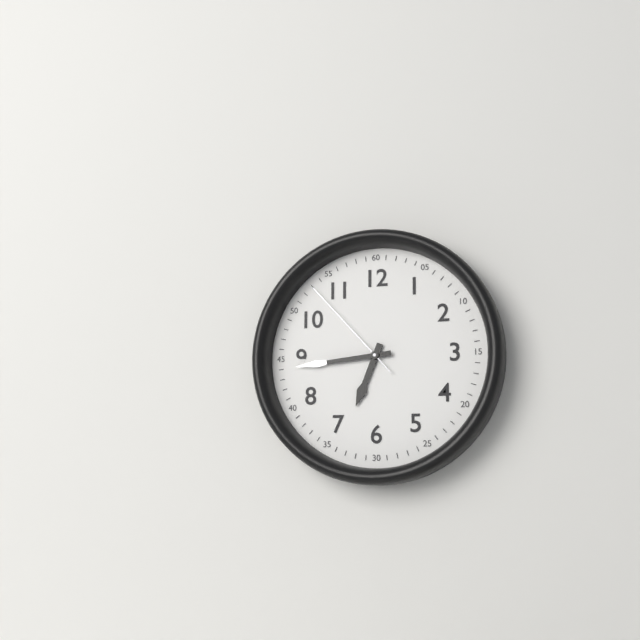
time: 6:44:53
